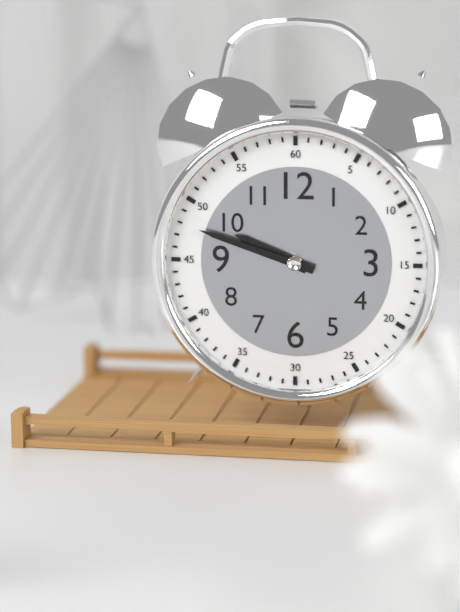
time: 9:48
